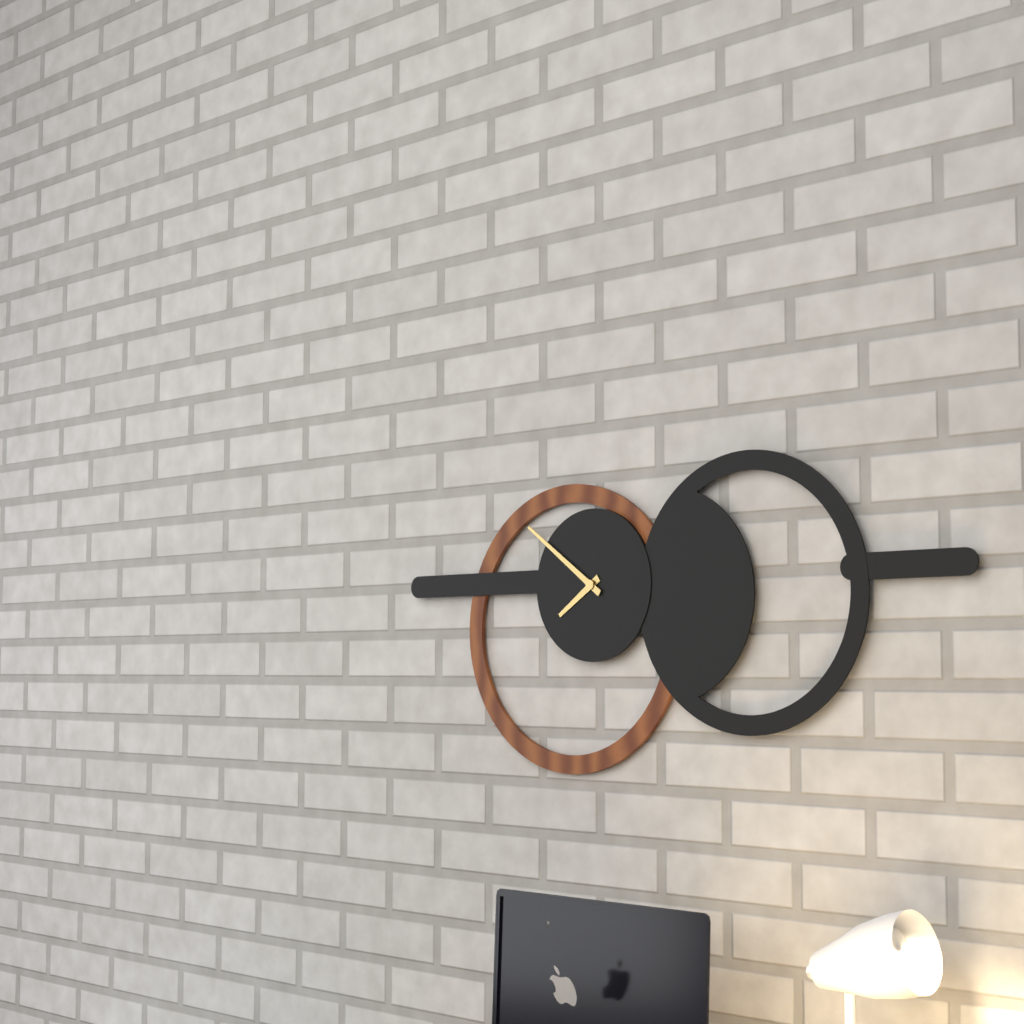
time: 7:51
